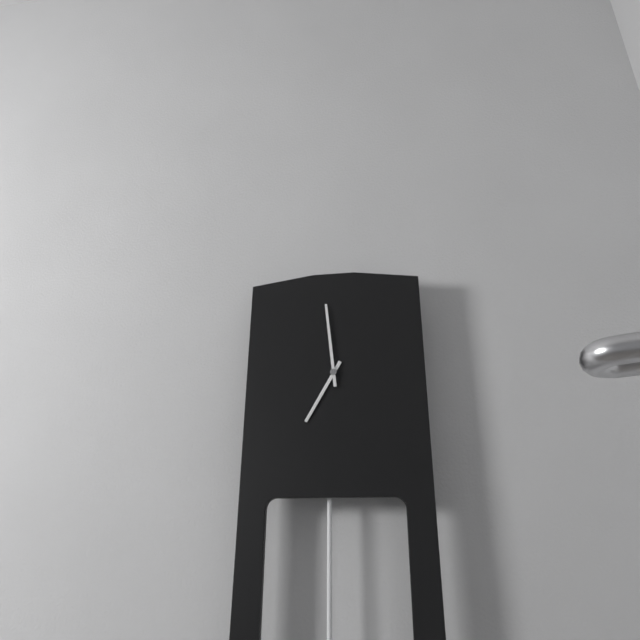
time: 6:59
